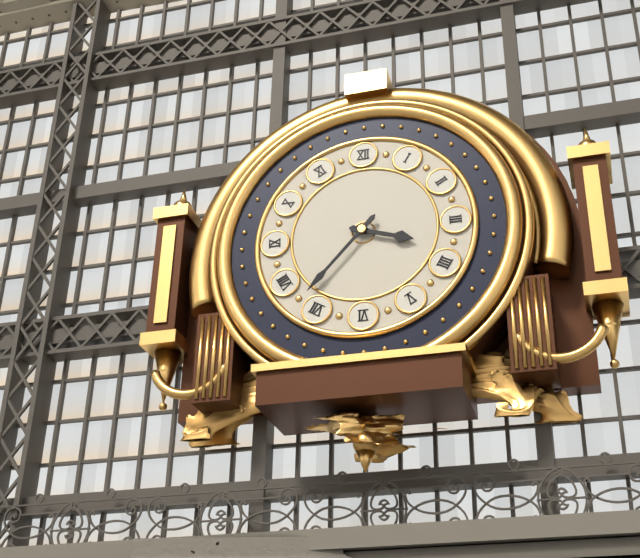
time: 3:37
